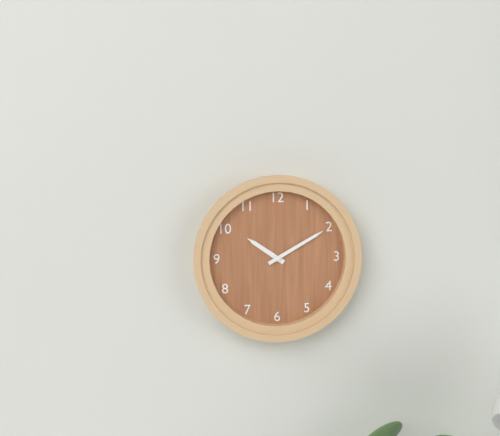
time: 10:10
